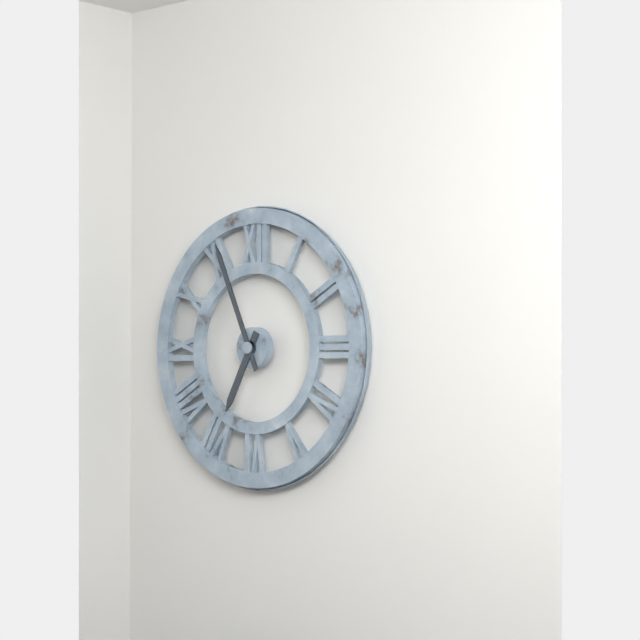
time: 6:56
